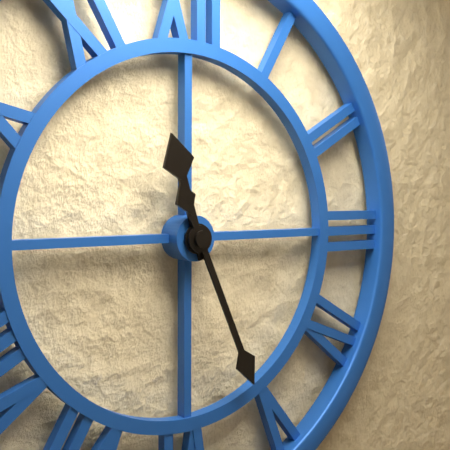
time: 11:26
